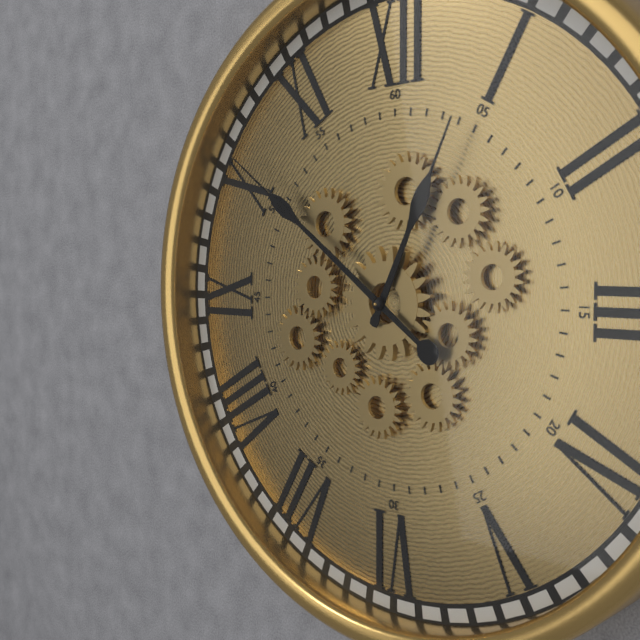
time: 12:51
